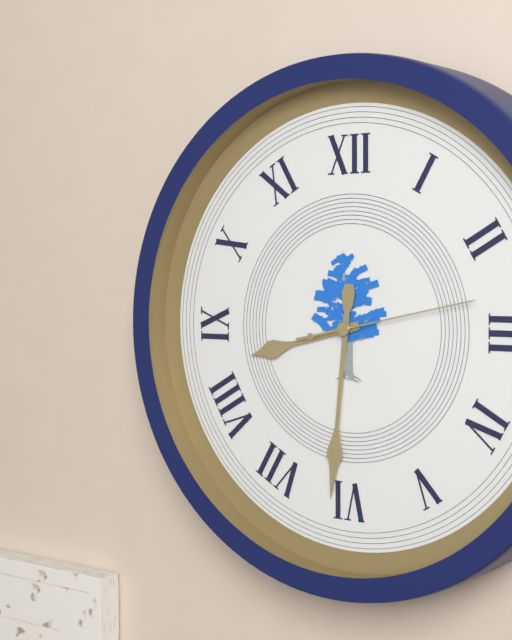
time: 8:31:13
